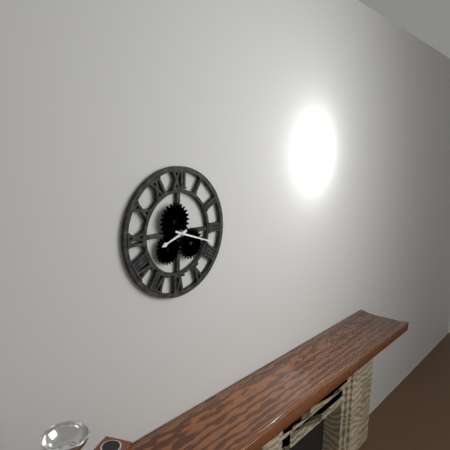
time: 8:18
